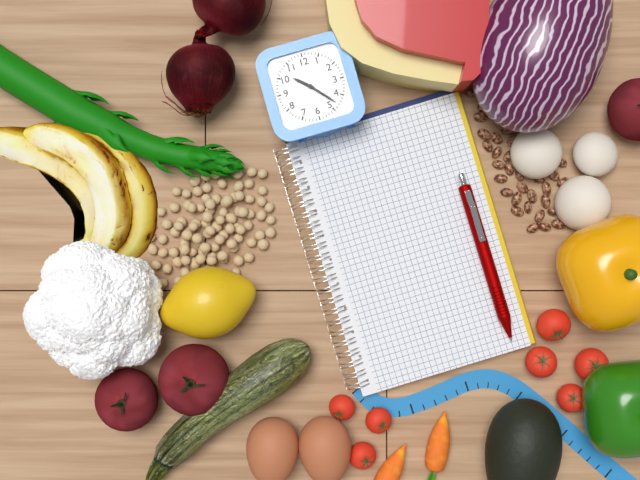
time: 10:23
